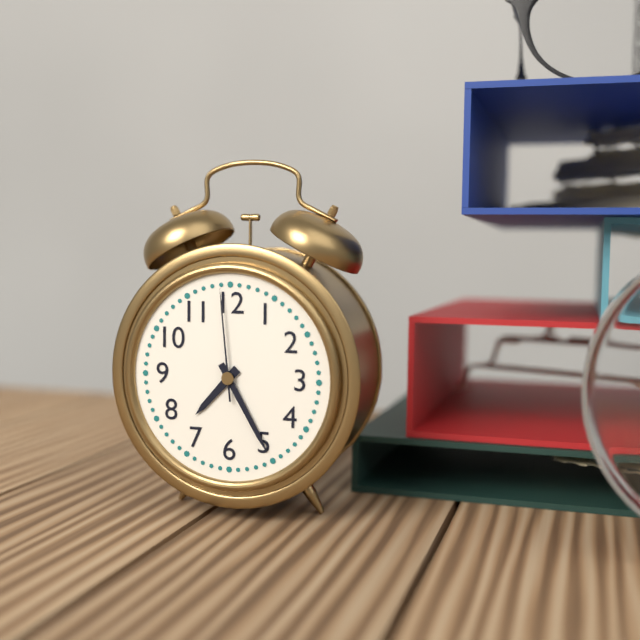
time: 7:25:59
